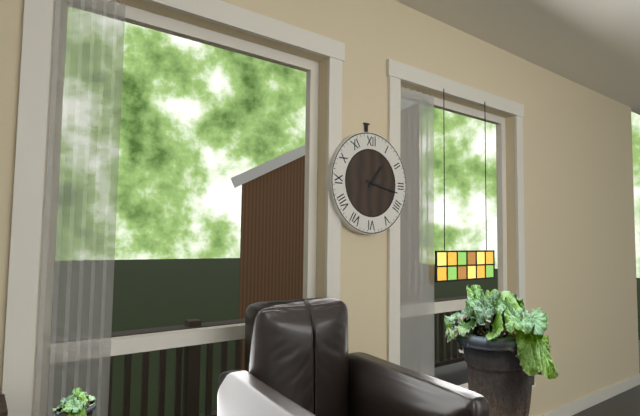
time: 1:17
